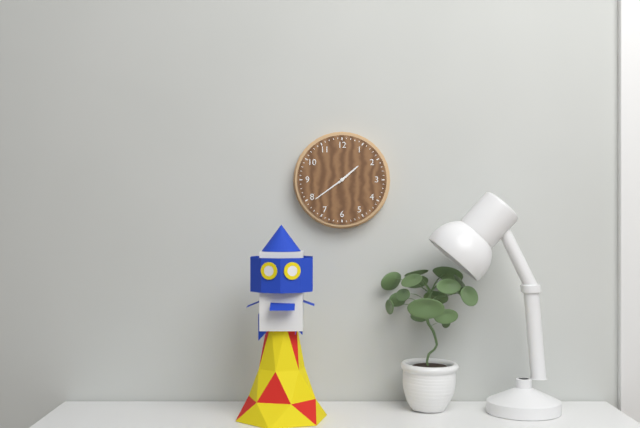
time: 1:39
